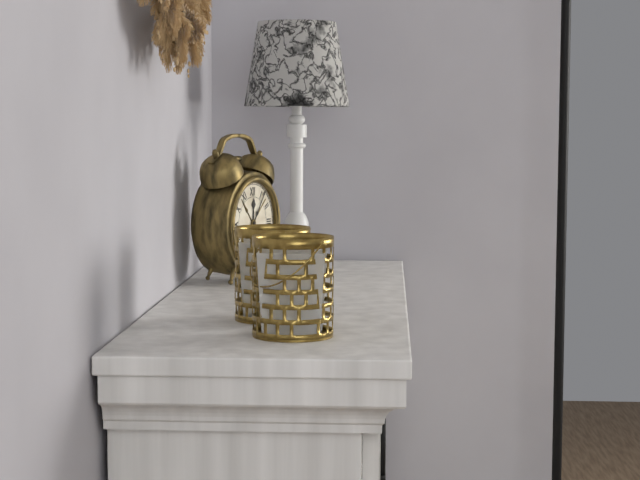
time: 12:06
